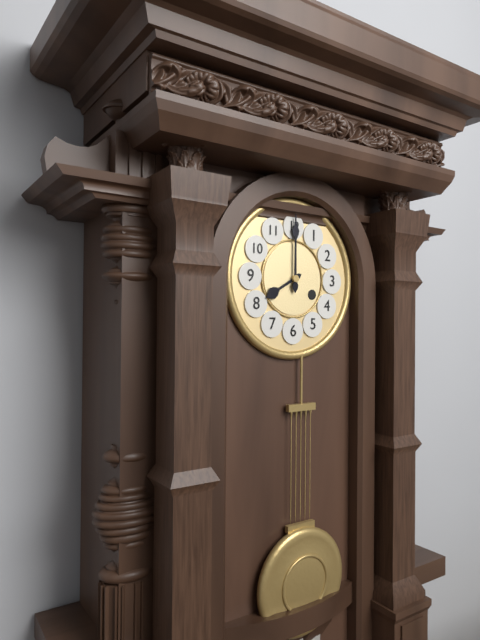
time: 8:00
